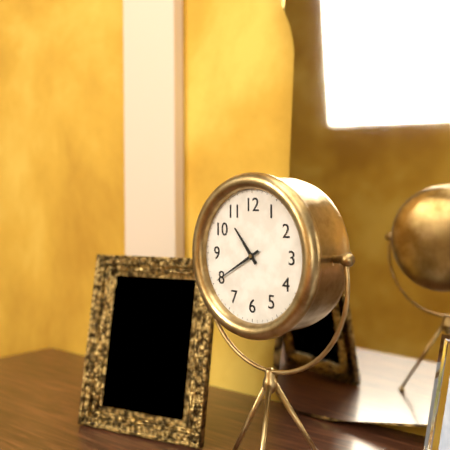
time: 10:40
